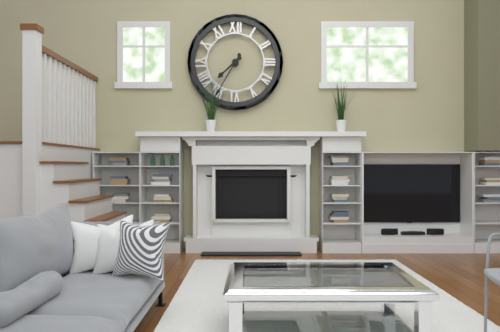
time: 7:35
